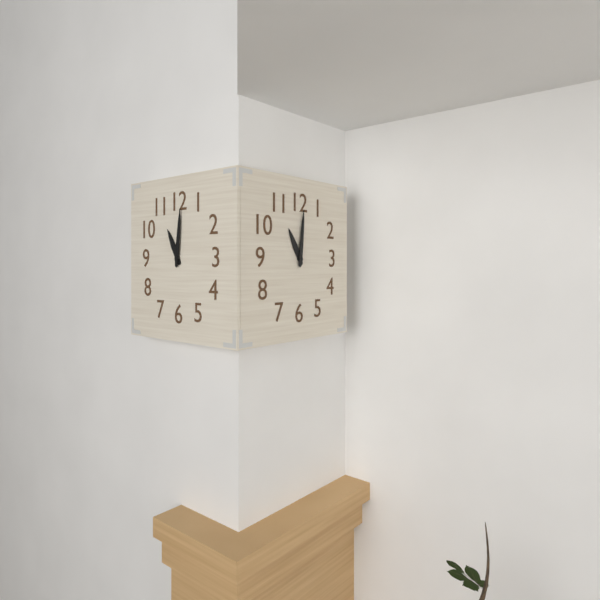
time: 11:01
